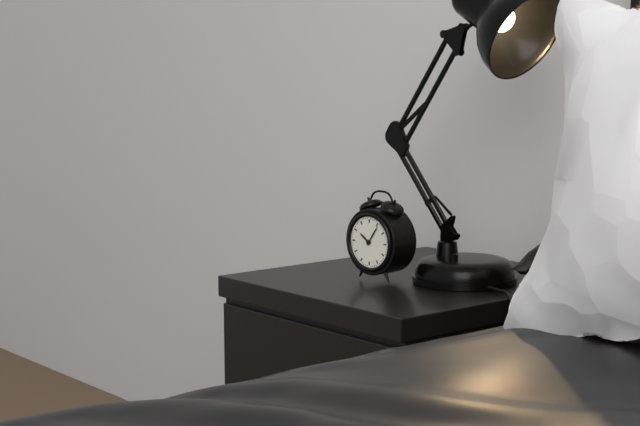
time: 10:06
